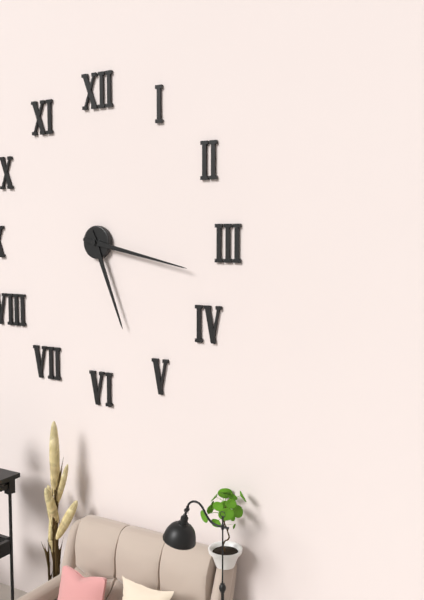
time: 5:17
